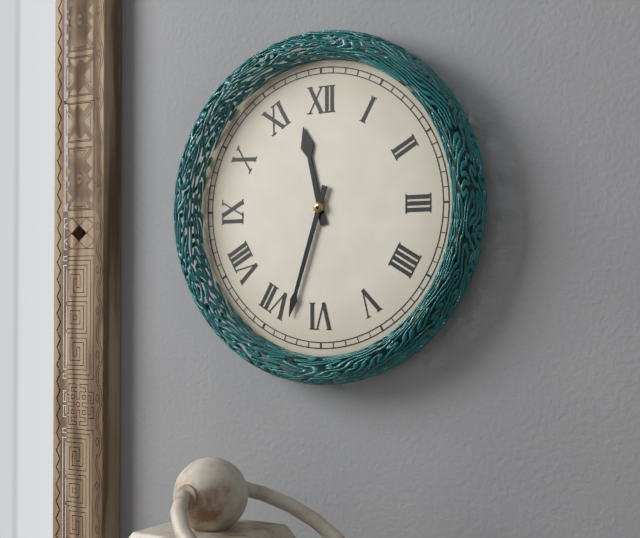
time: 11:33
